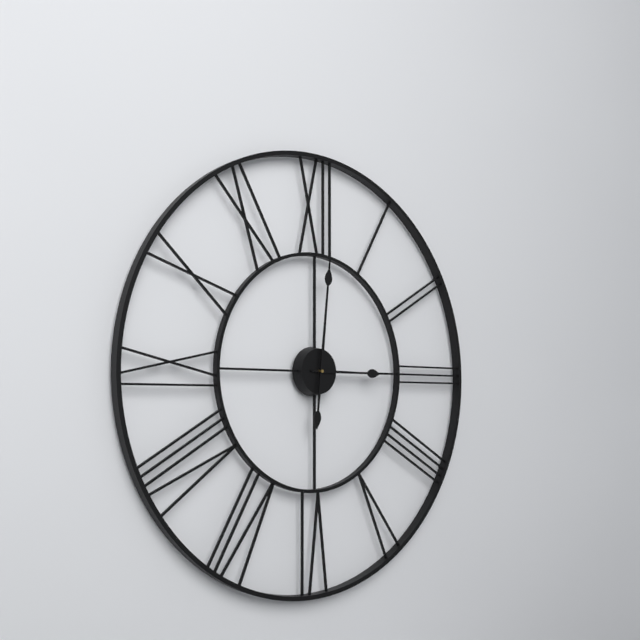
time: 3:01
